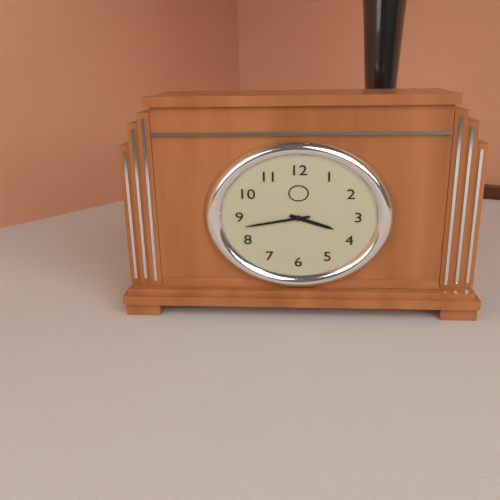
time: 3:43
